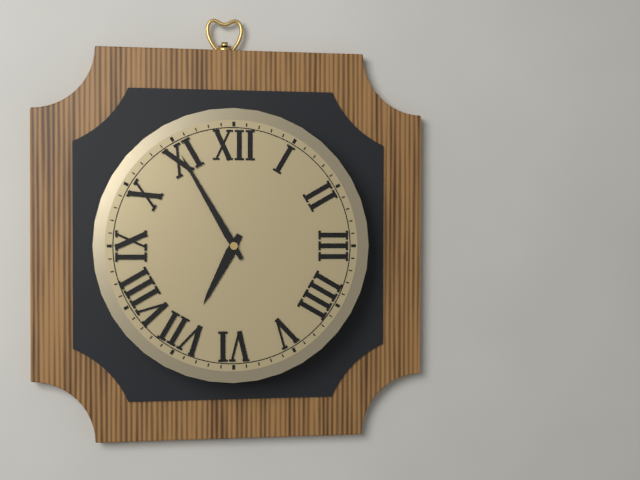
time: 6:55
